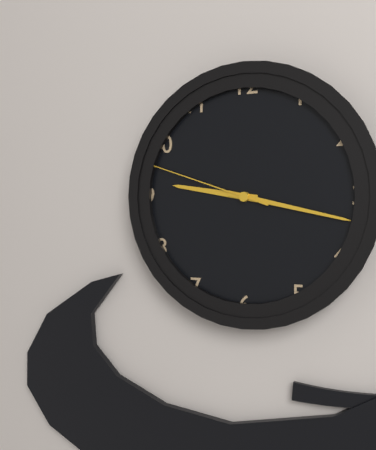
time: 9:17:48
